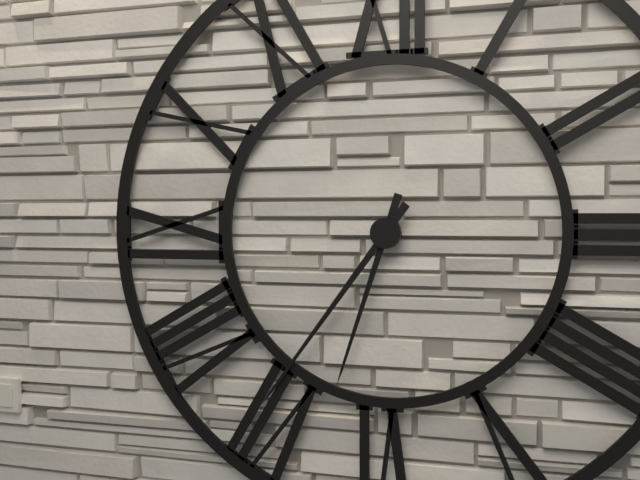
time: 6:36
